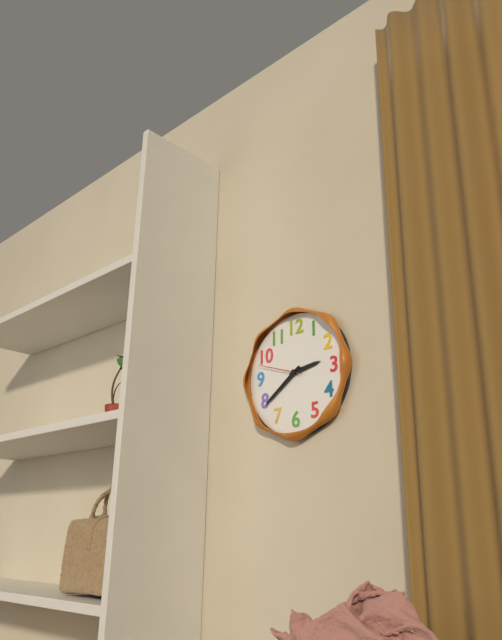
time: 2:39
